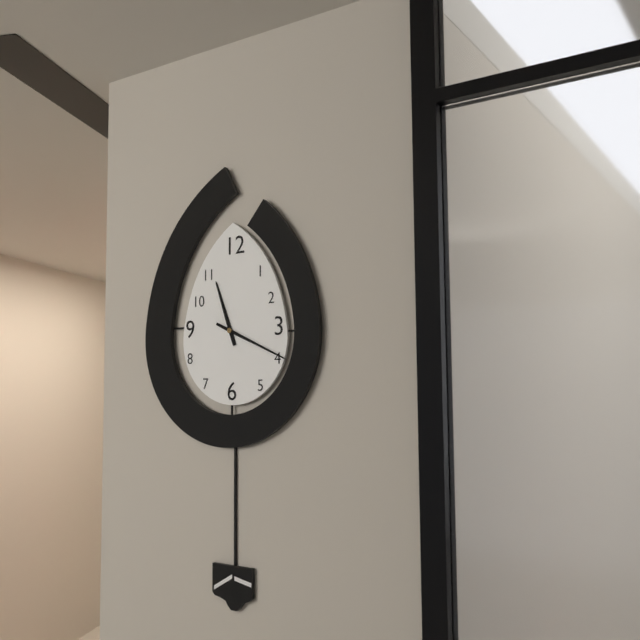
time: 11:19
